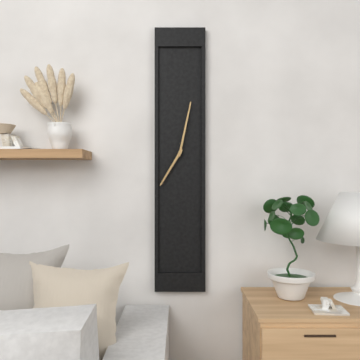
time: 7:02
